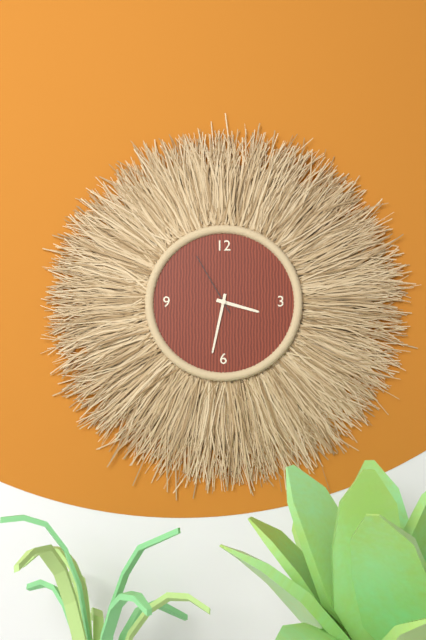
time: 3:32:55
